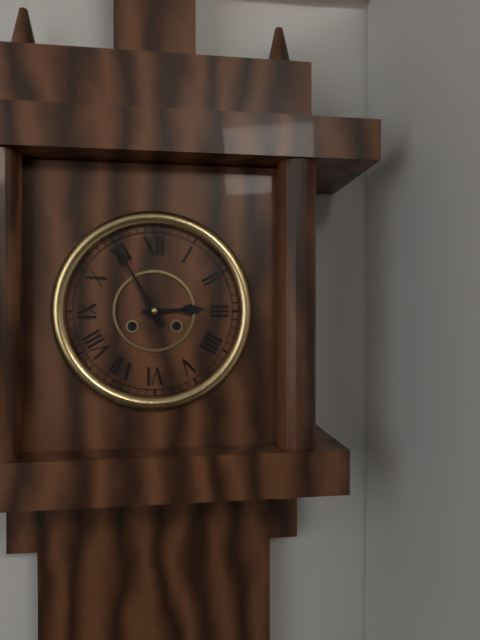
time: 2:55
